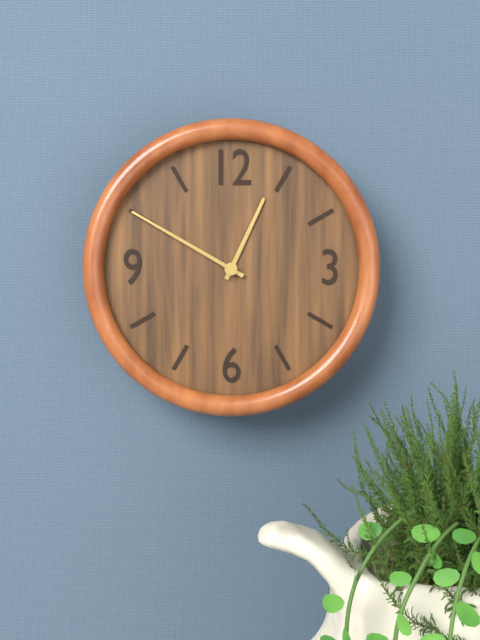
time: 12:50
